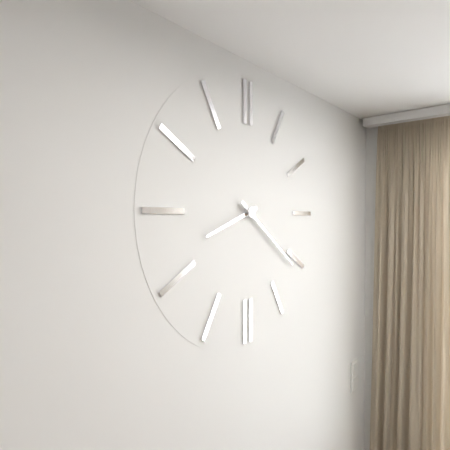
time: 8:21
